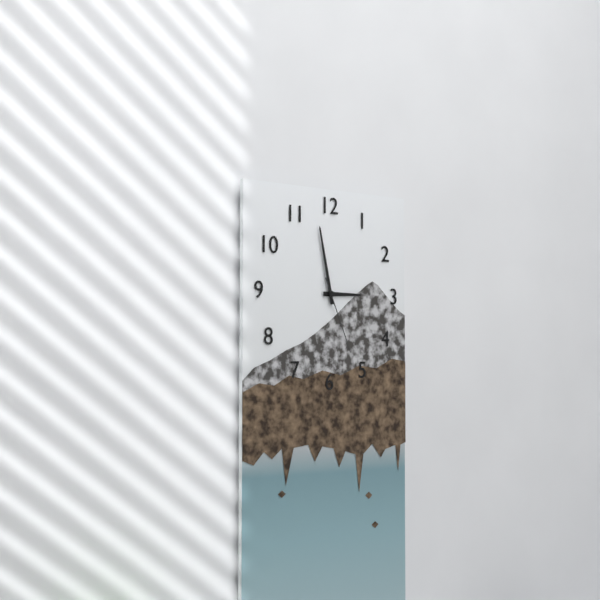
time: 2:58:26
